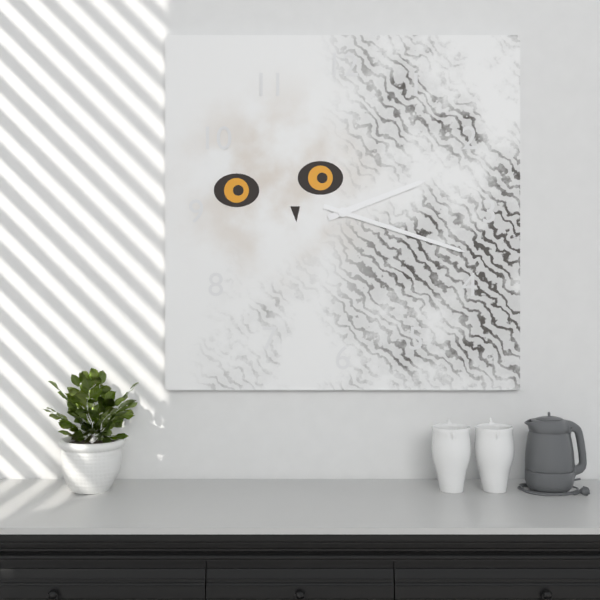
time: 2:18
